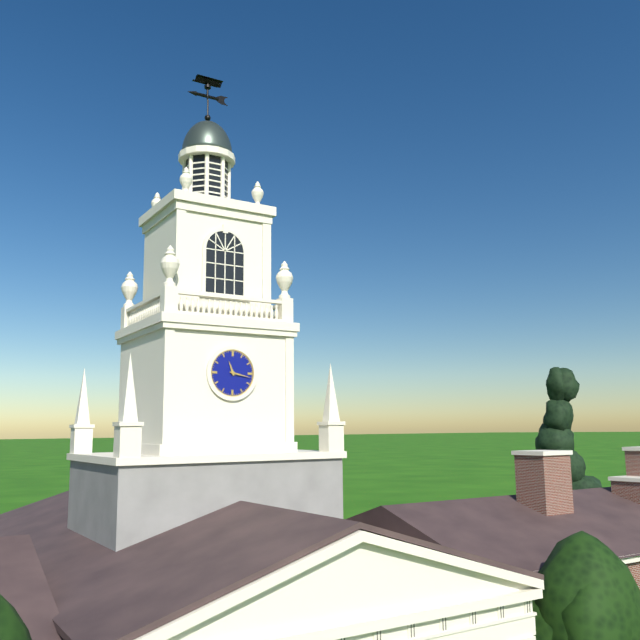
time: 11:17
